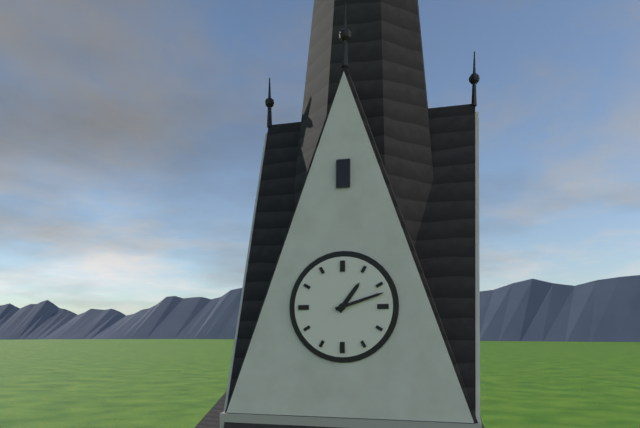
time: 1:12
